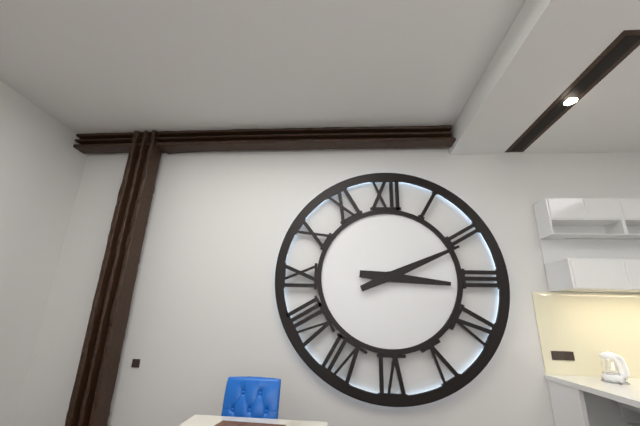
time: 3:11
